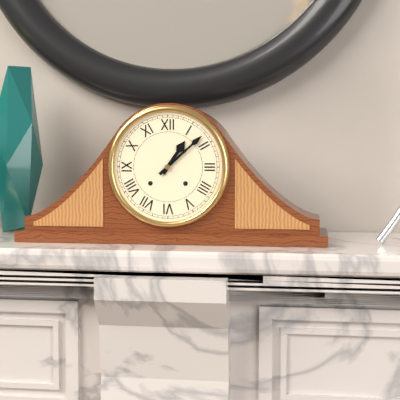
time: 1:08
